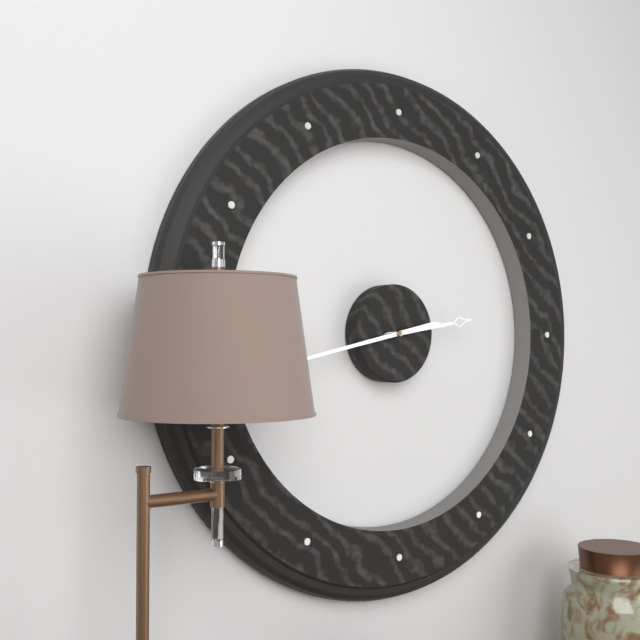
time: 2:43
